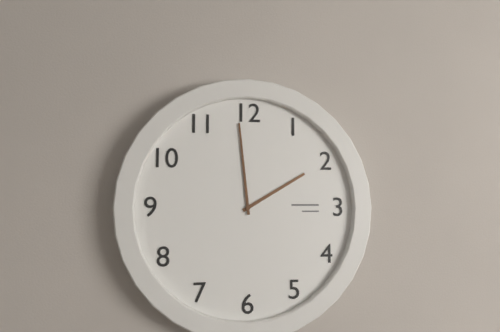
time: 1:59
